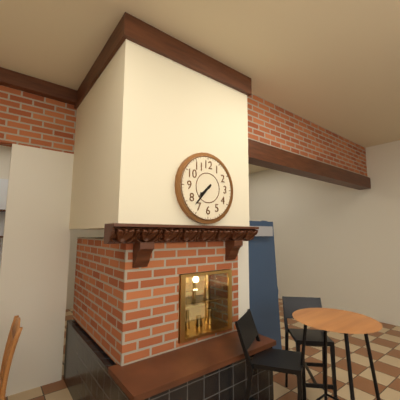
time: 7:37
